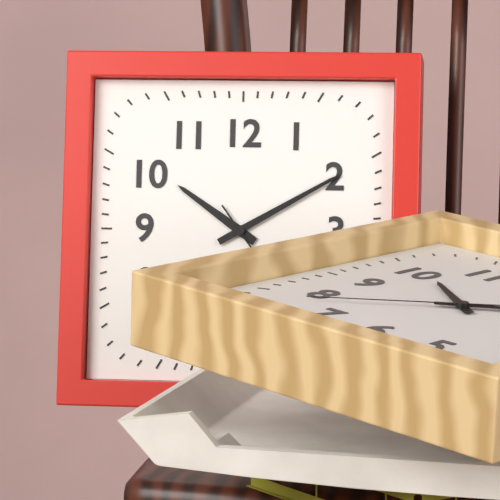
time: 10:10
